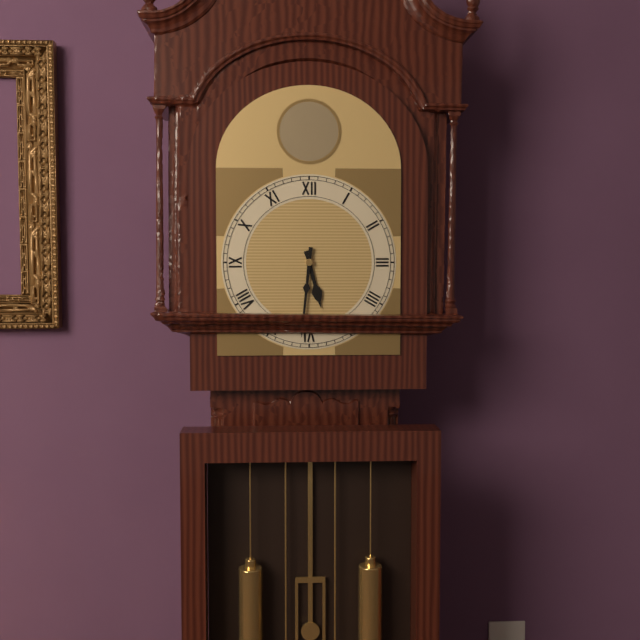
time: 5:31
